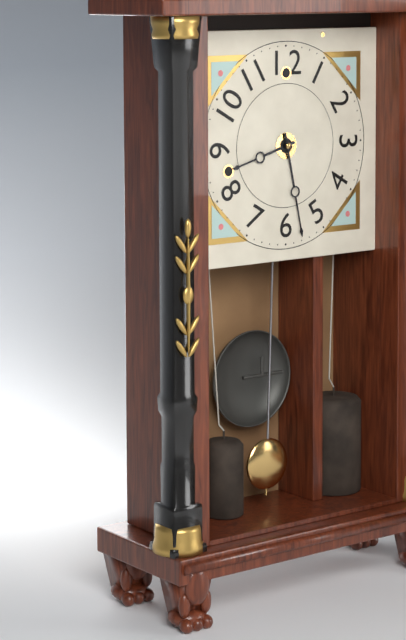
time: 8:28
